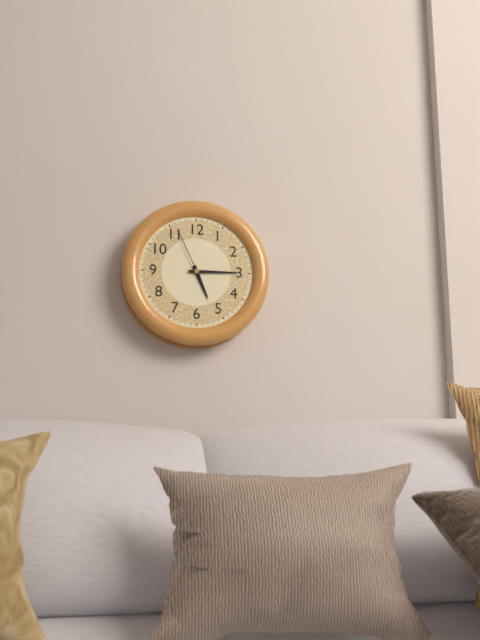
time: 5:15:56
